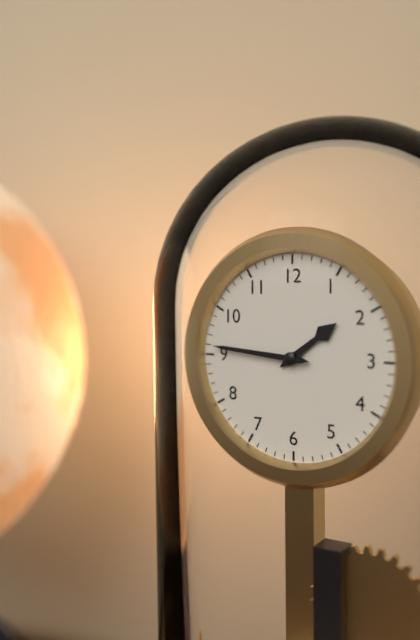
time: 1:46
